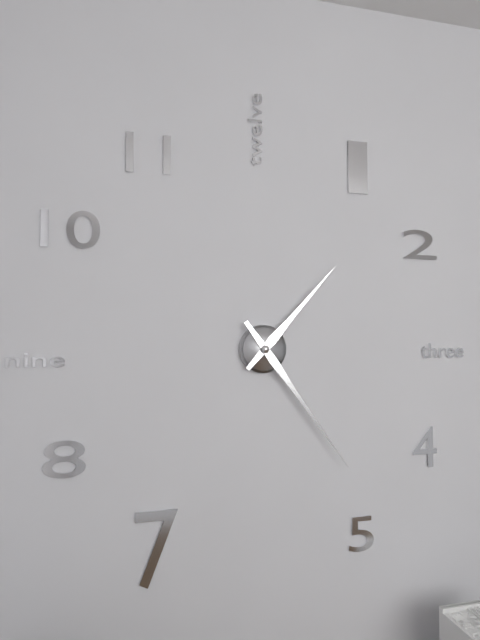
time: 1:24
